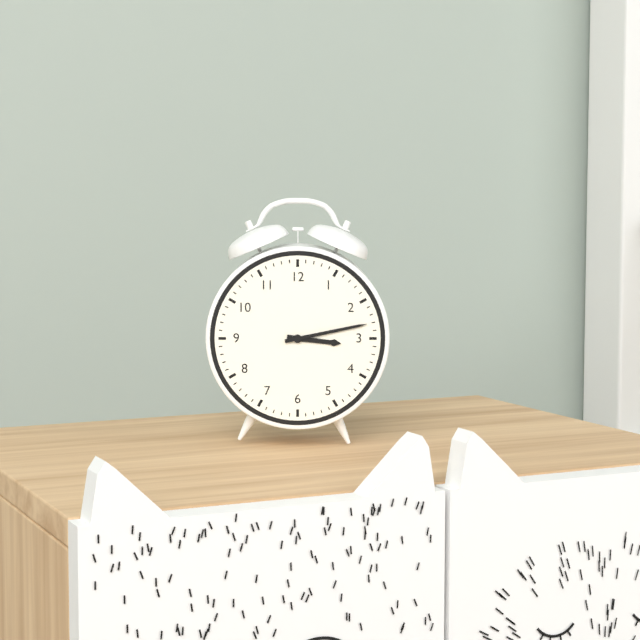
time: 3:13
